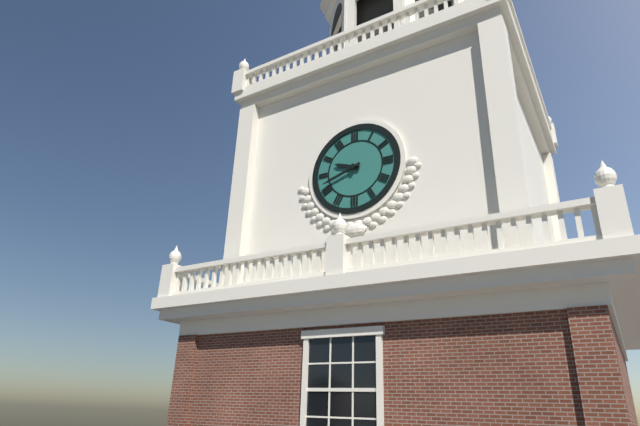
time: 9:42
